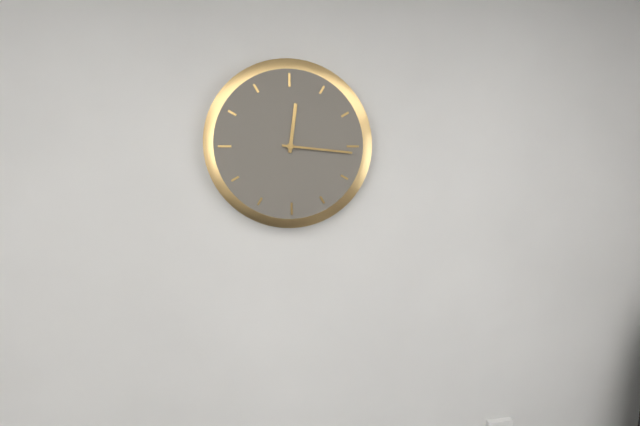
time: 12:16
